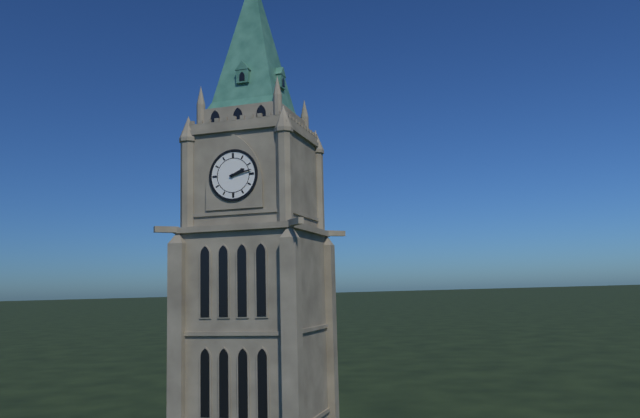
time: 2:13
